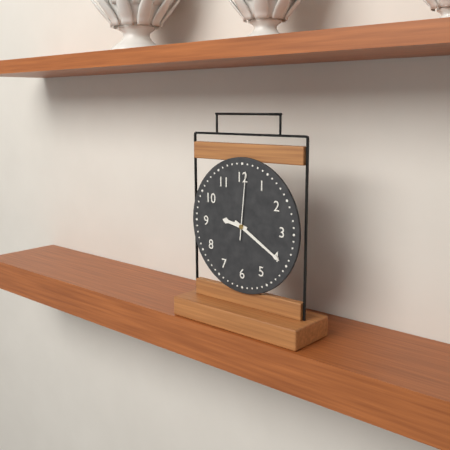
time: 9:20:01
